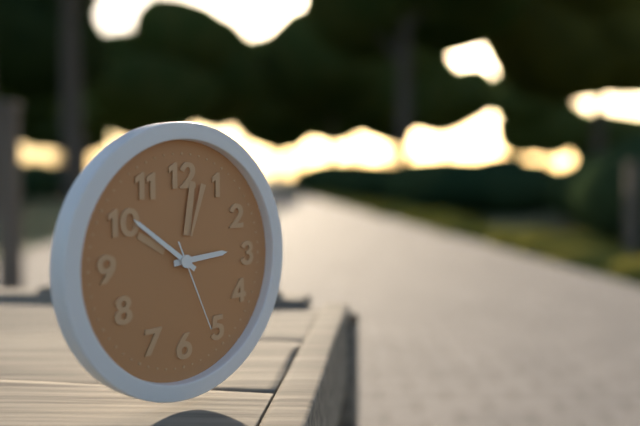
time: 2:51:26
